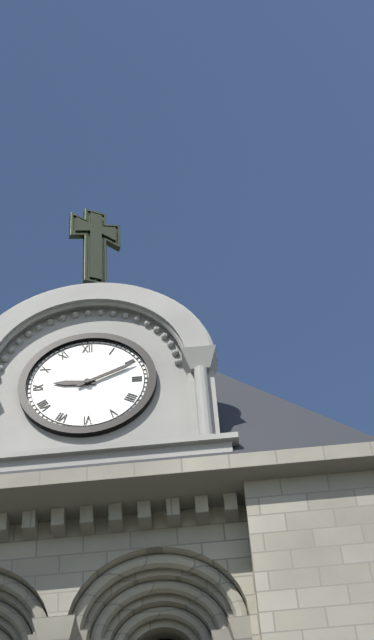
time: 9:11
